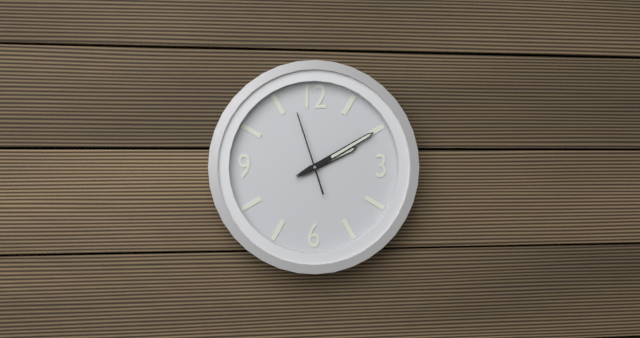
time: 2:10:57
